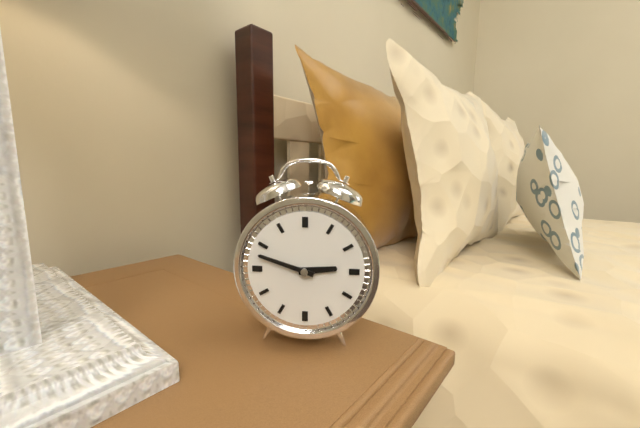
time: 2:48
